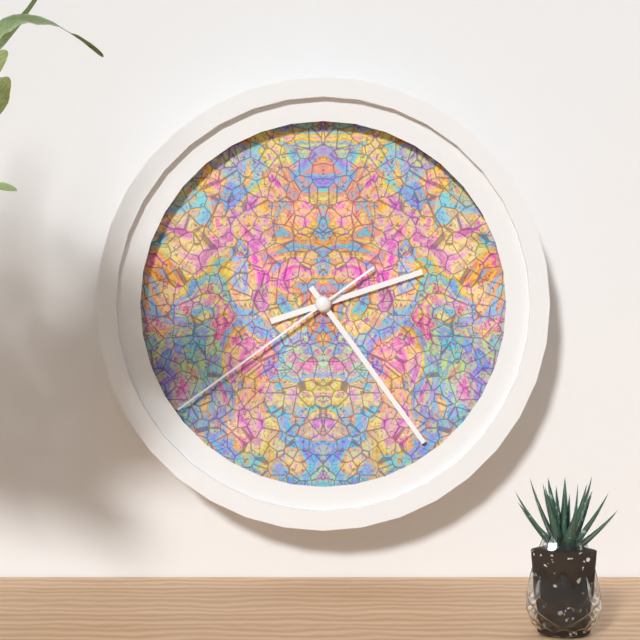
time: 2:24:39
